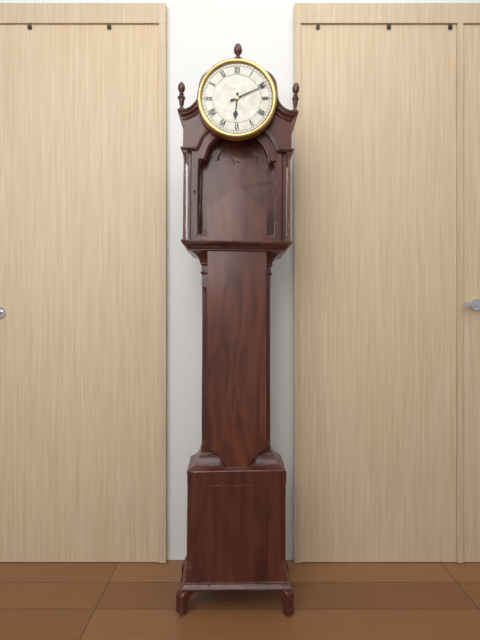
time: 6:11
